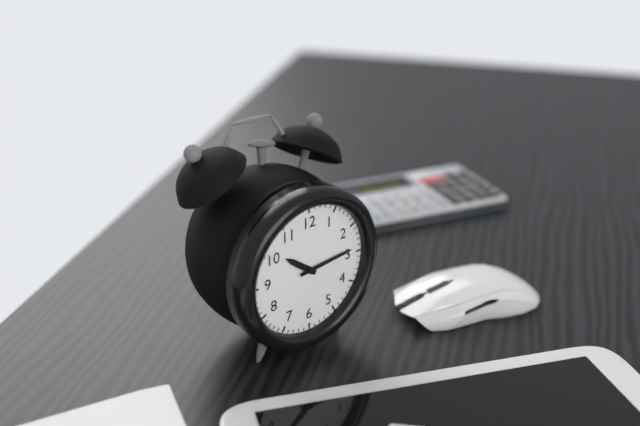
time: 10:14
